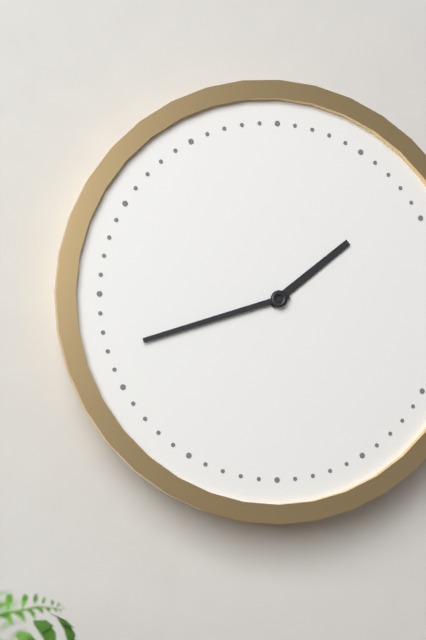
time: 1:42
